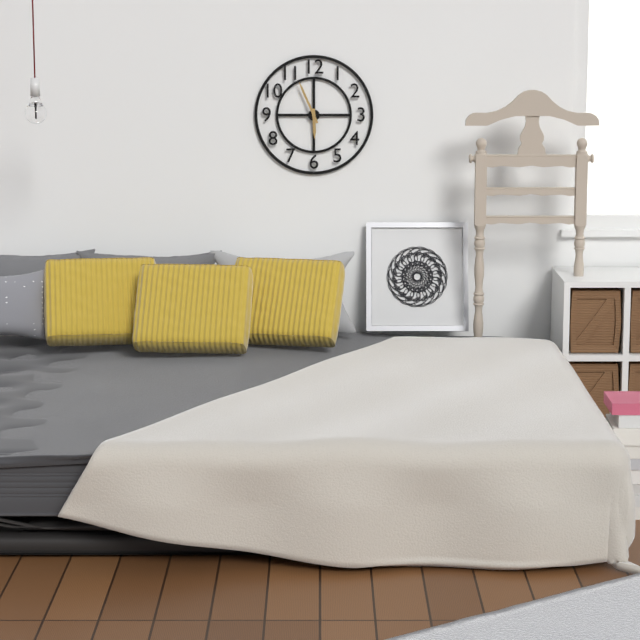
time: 5:56
